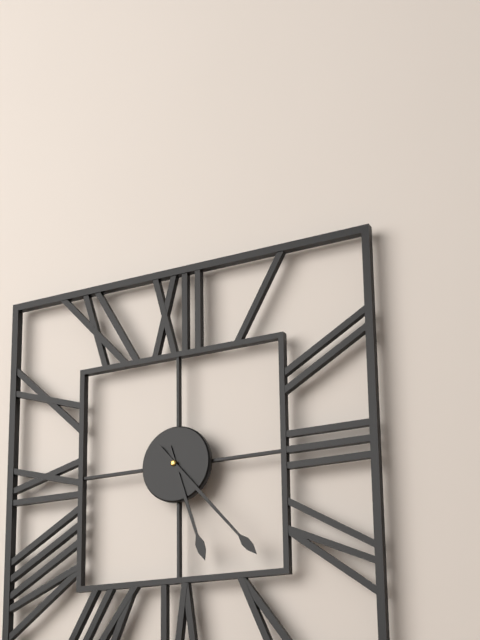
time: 5:23
